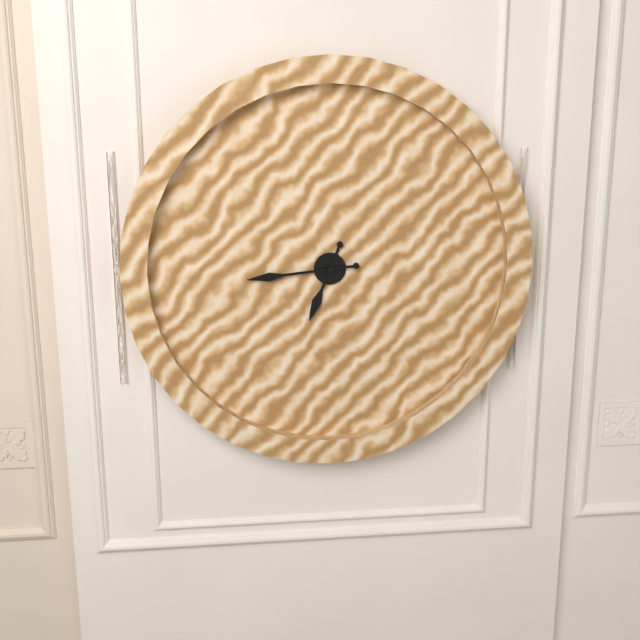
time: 6:44
